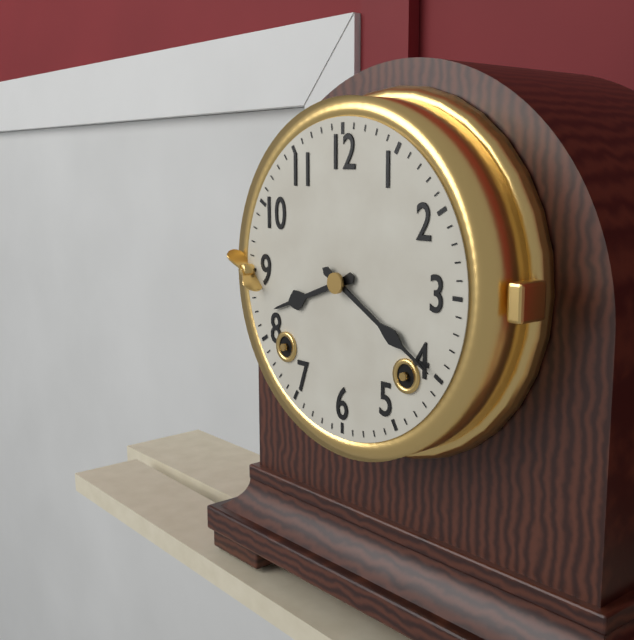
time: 8:20
